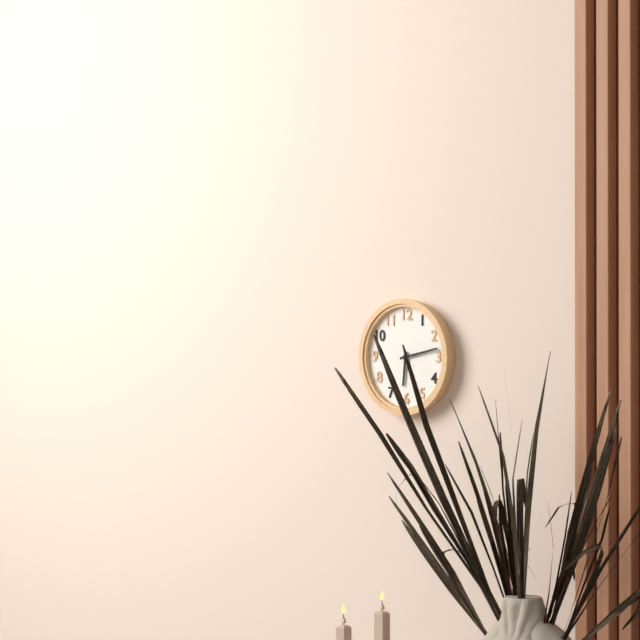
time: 6:13
